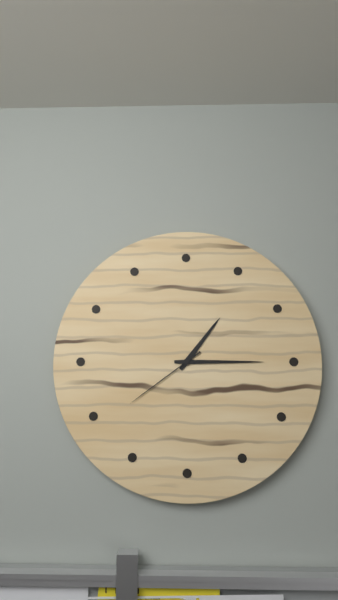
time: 1:15:39
